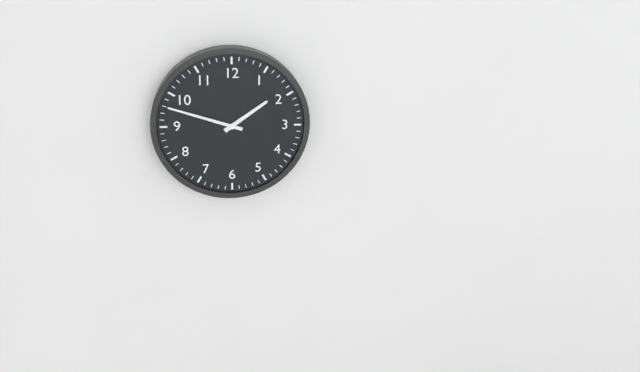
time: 1:48
